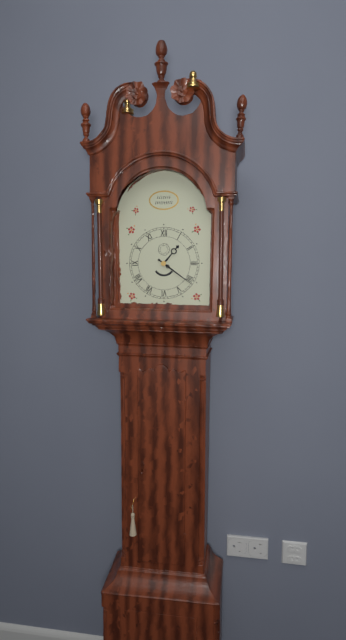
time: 1:21
